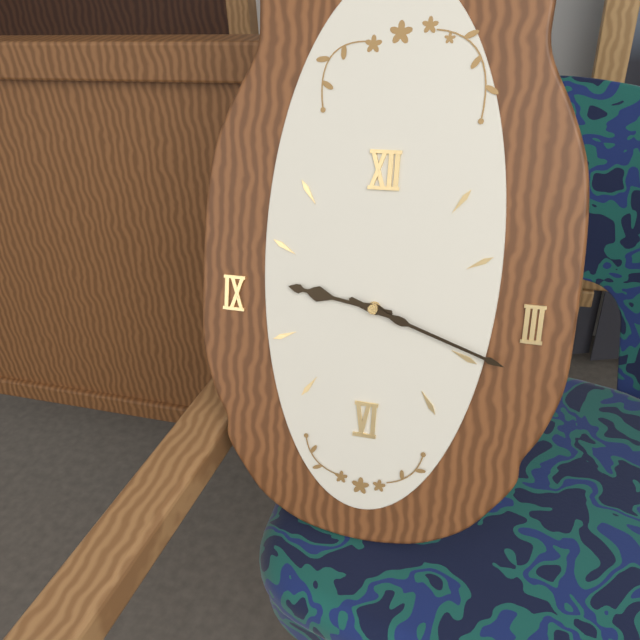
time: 9:18
